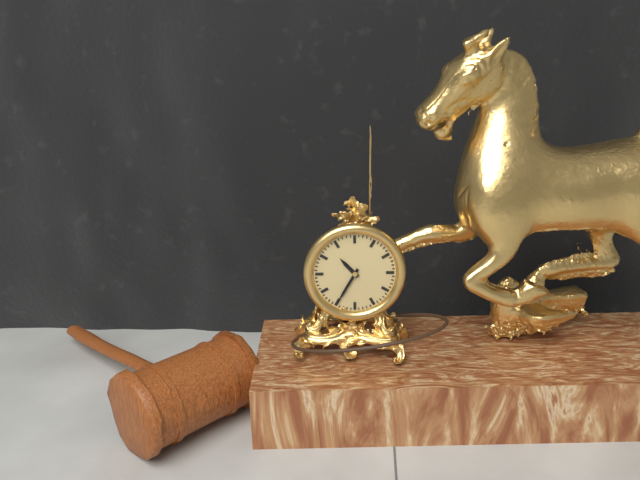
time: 10:35
